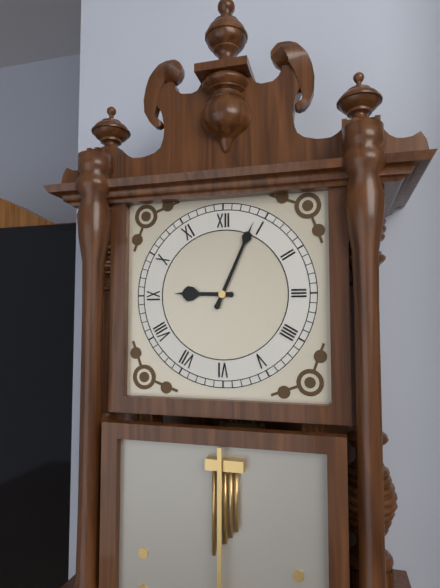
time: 9:04
